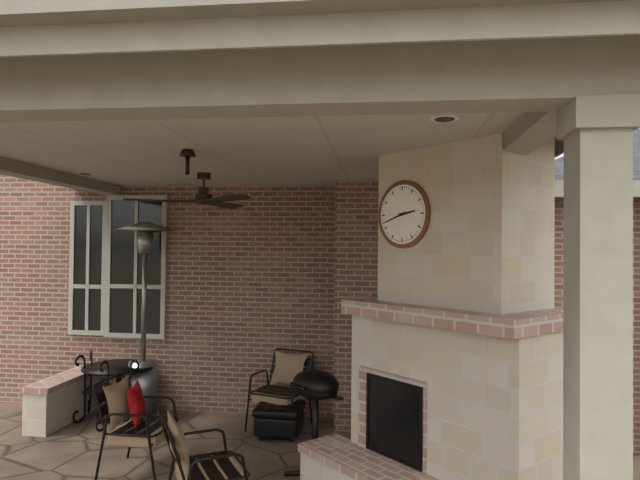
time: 2:42
